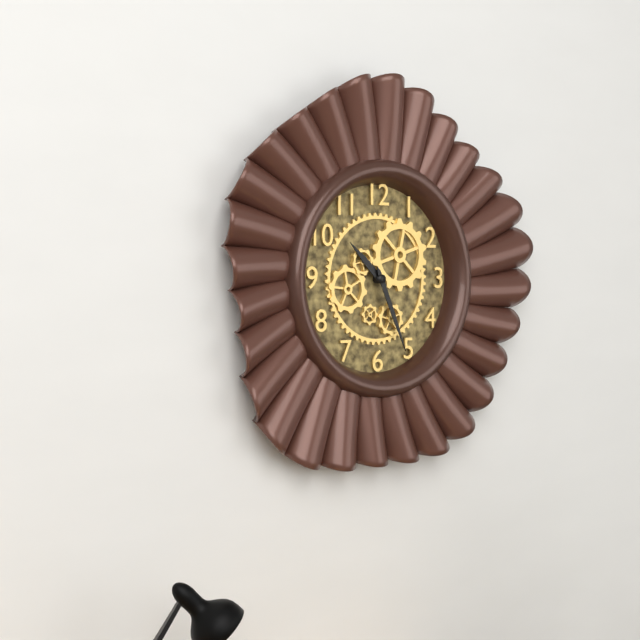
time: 10:26
